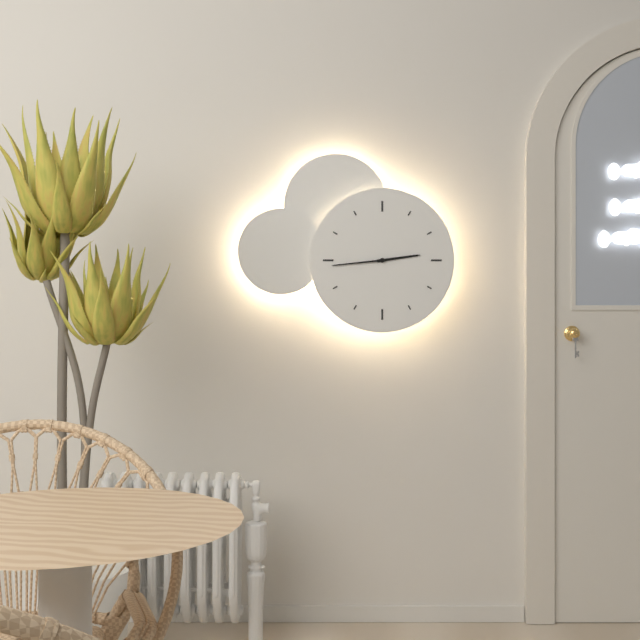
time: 2:44
